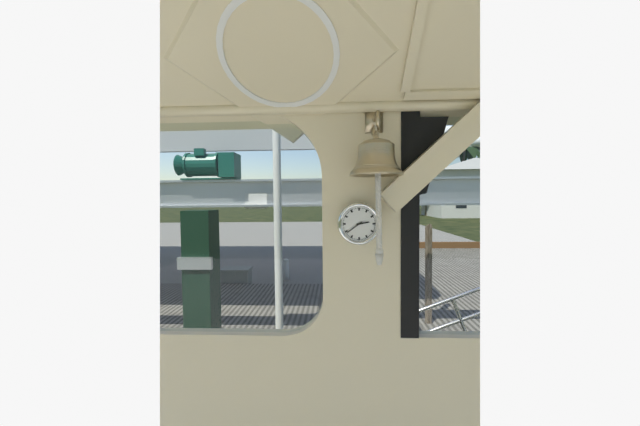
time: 2:39
